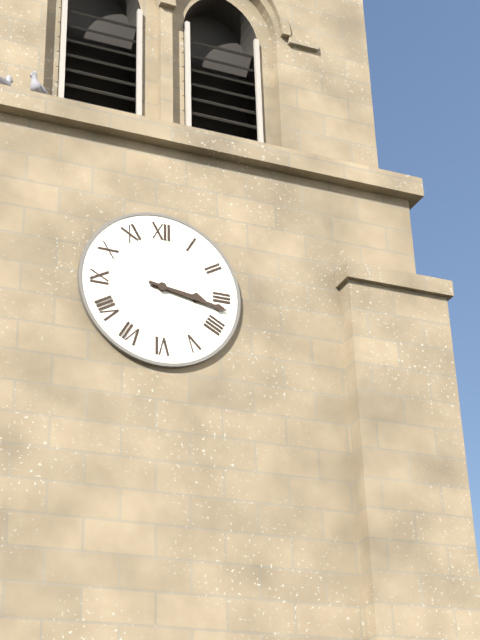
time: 3:17
